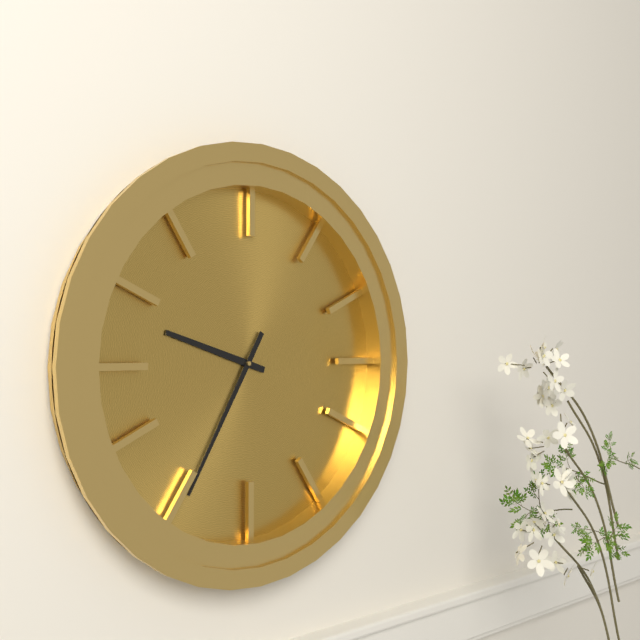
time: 9:35
